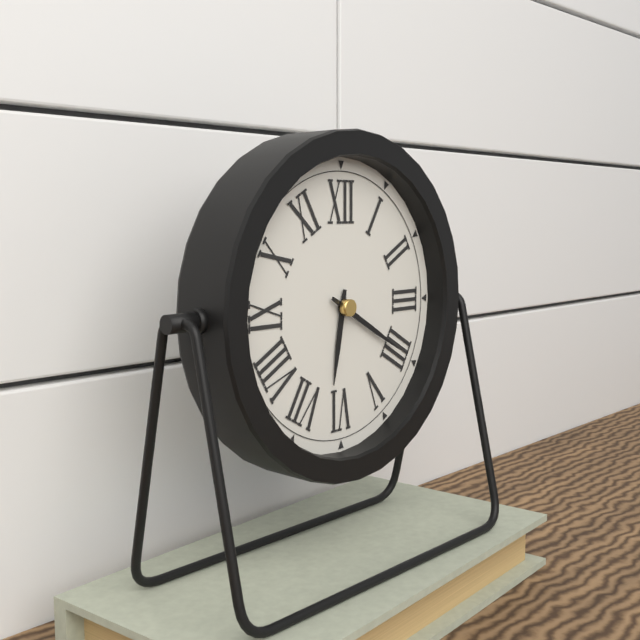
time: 6:20
